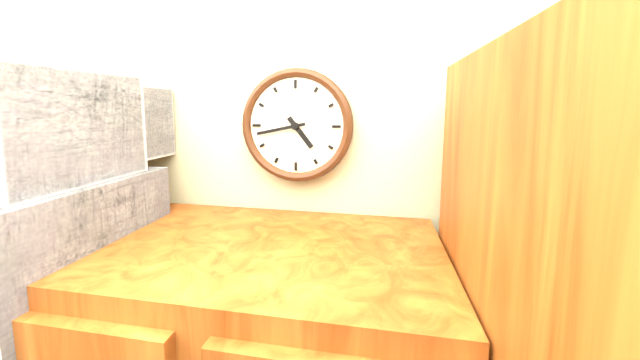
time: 4:43
